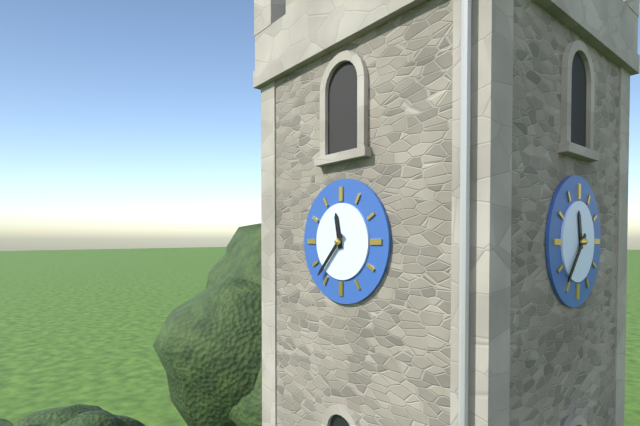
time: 11:37
